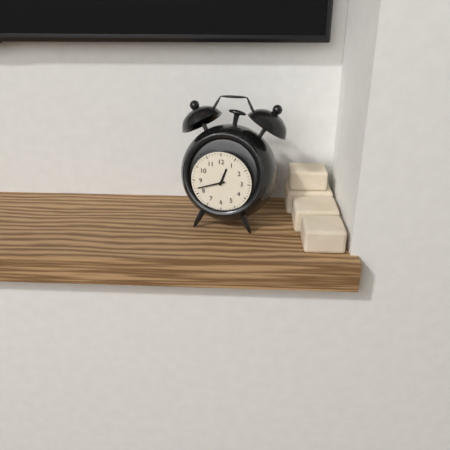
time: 12:42
